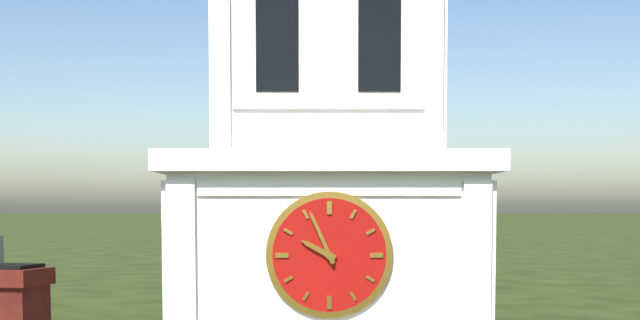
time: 9:56
